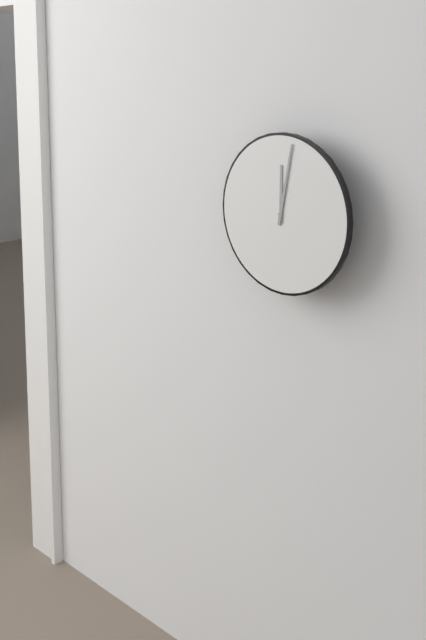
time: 12:02
